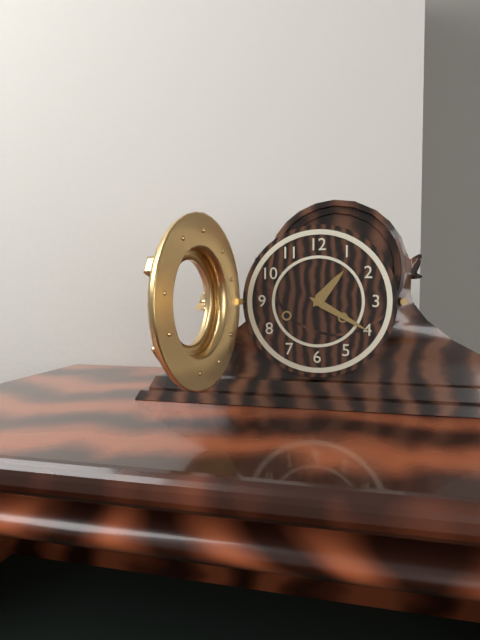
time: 1:20
